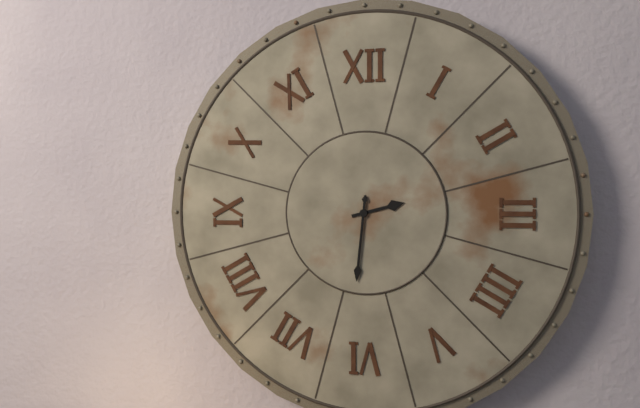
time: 2:31
